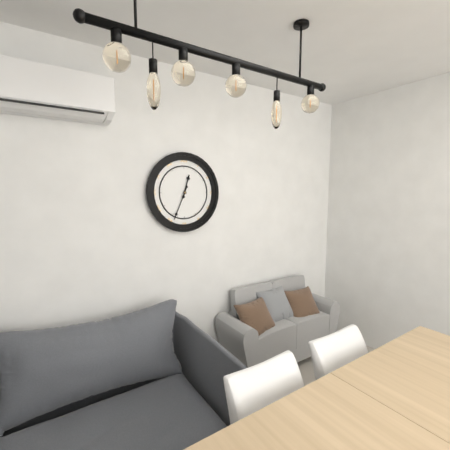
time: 12:34
